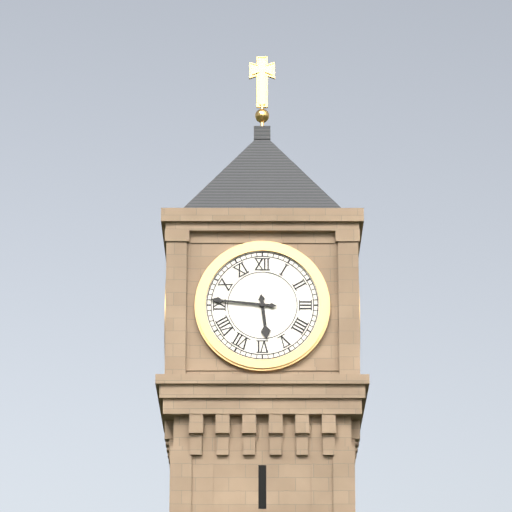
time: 5:46
